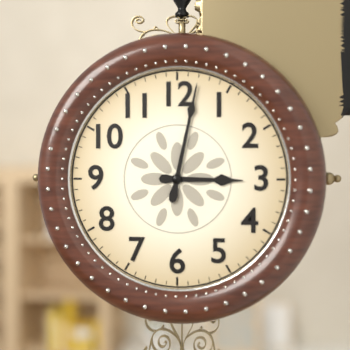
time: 3:02
